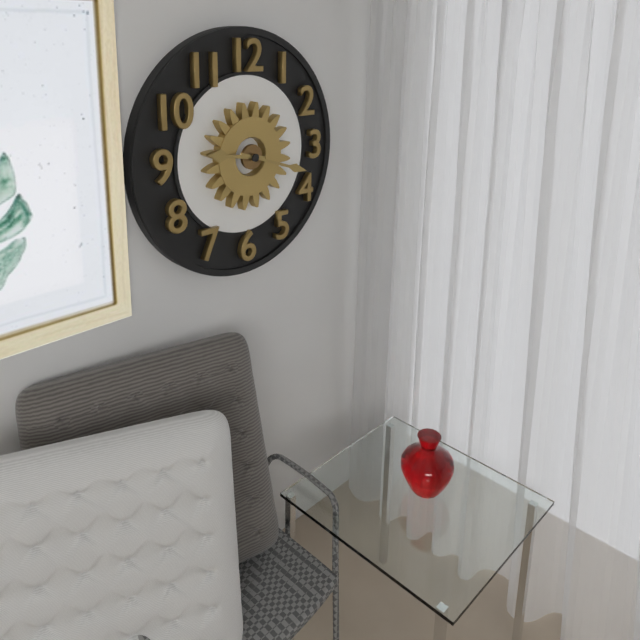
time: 9:18
